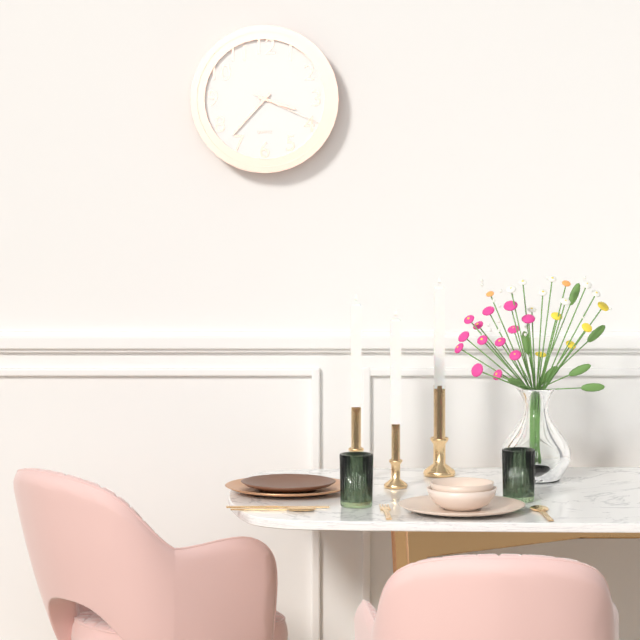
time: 3:37:19
